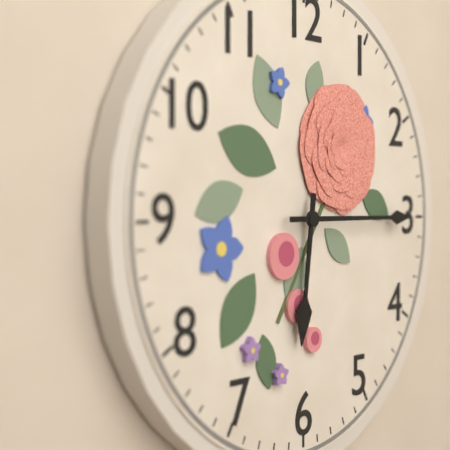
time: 6:15
